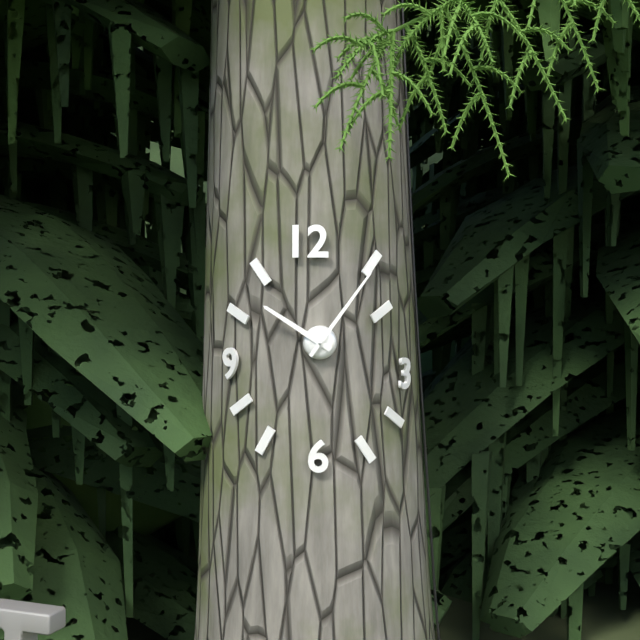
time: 10:06
